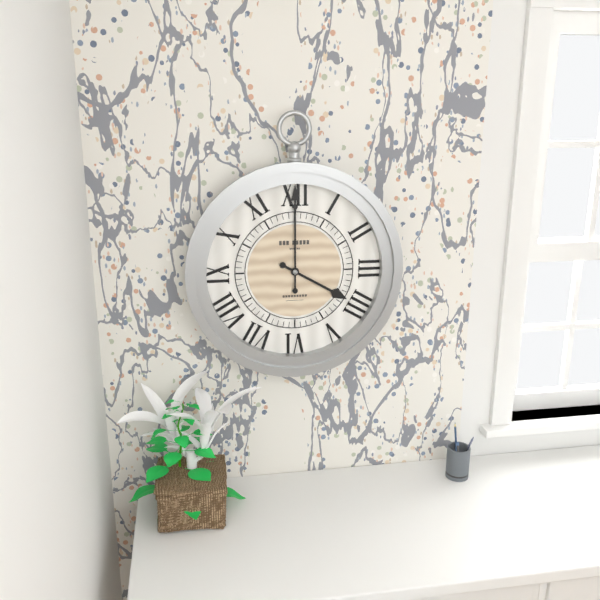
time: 4:00
